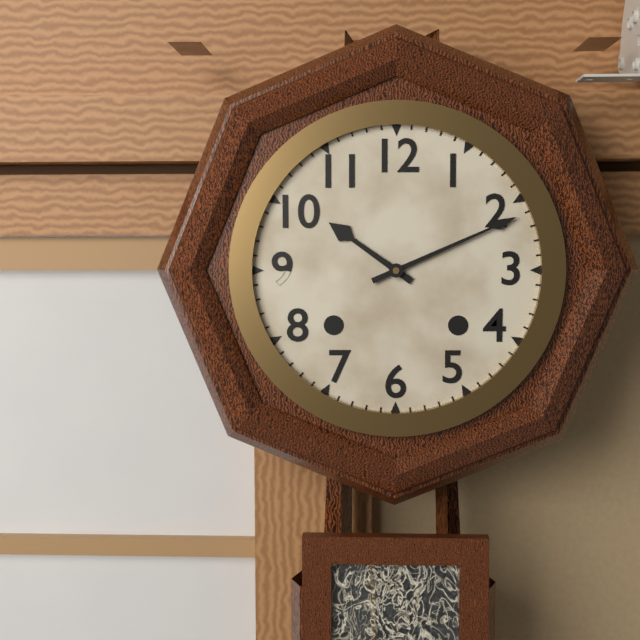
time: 10:11
